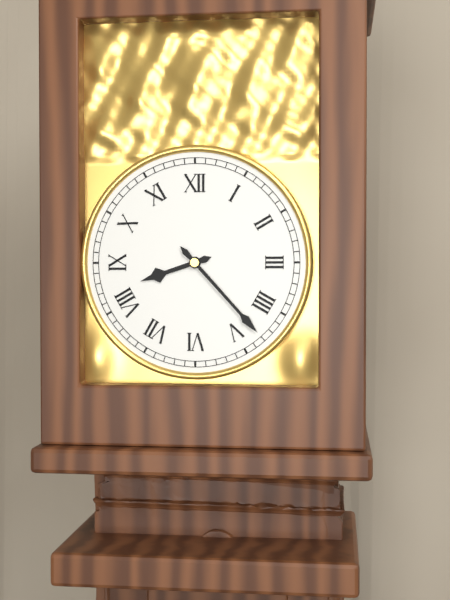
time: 8:23
